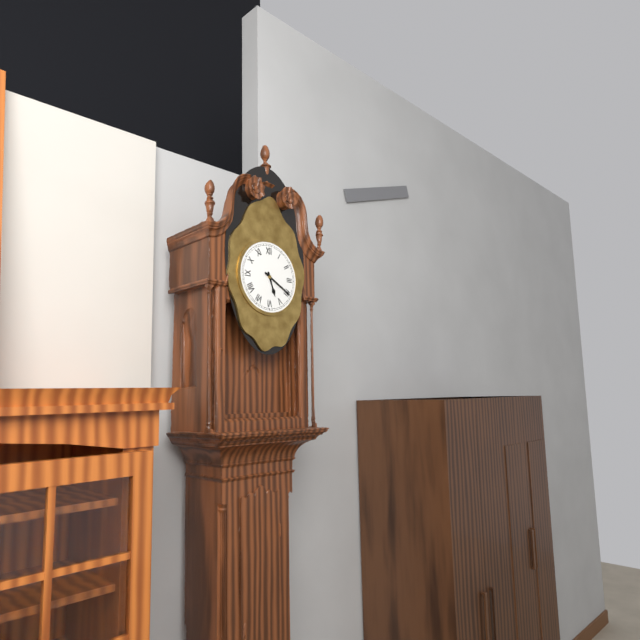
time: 5:20
